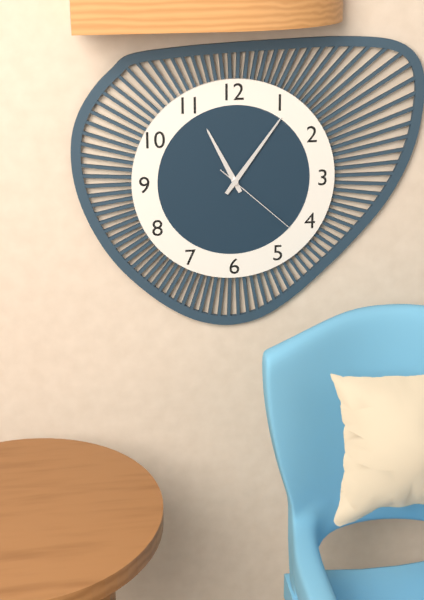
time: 11:06:22
